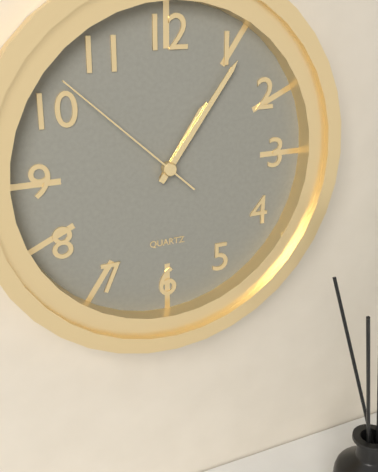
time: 1:06:52
